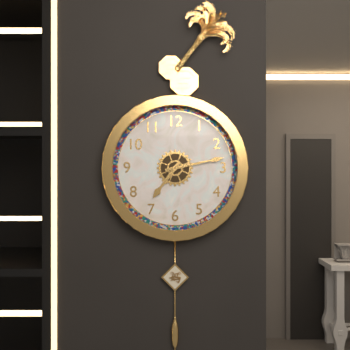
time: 7:13
